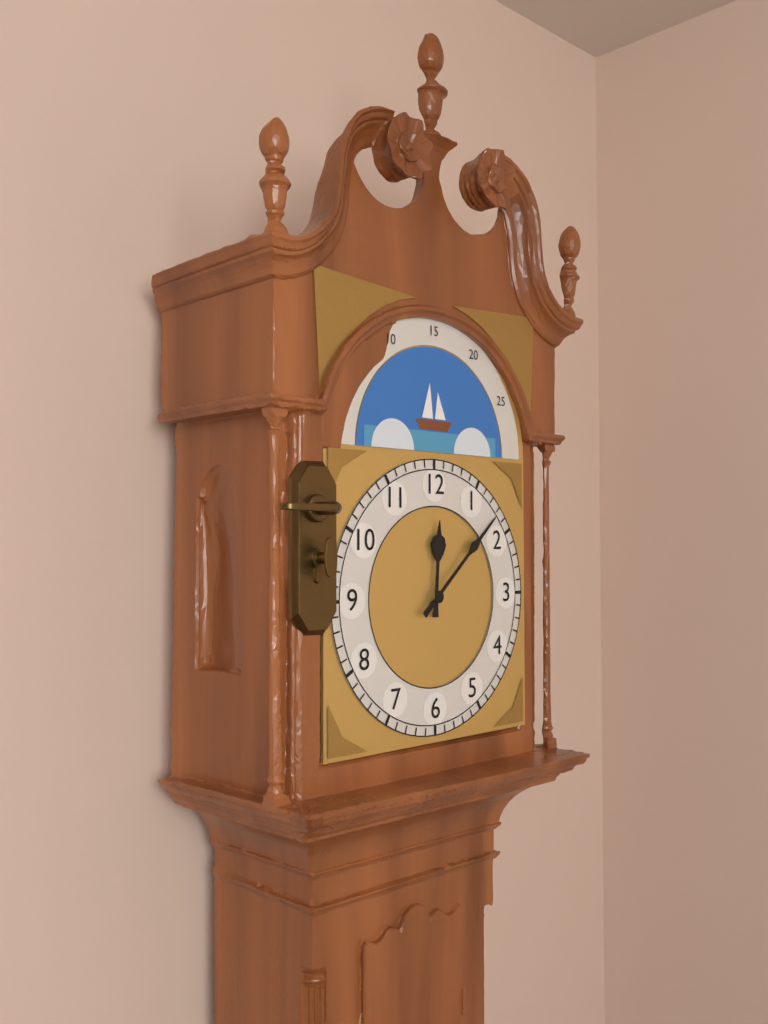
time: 12:08
